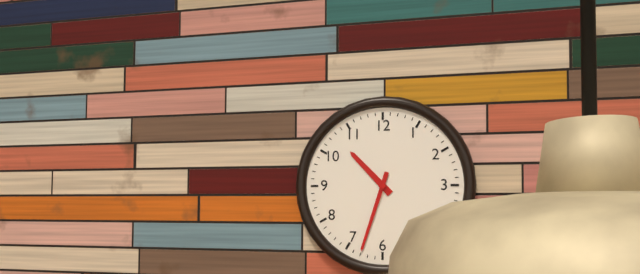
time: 10:33
